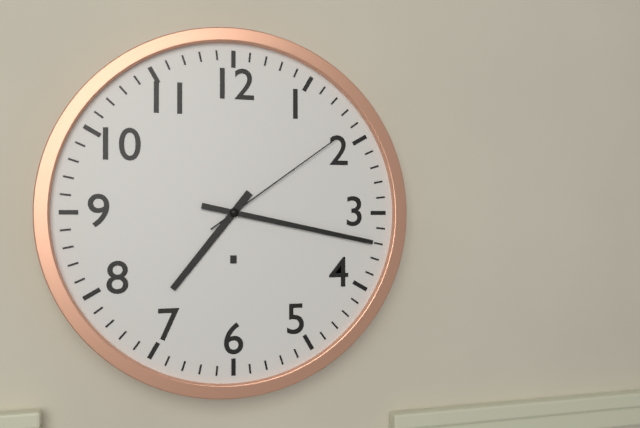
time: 7:17:09
